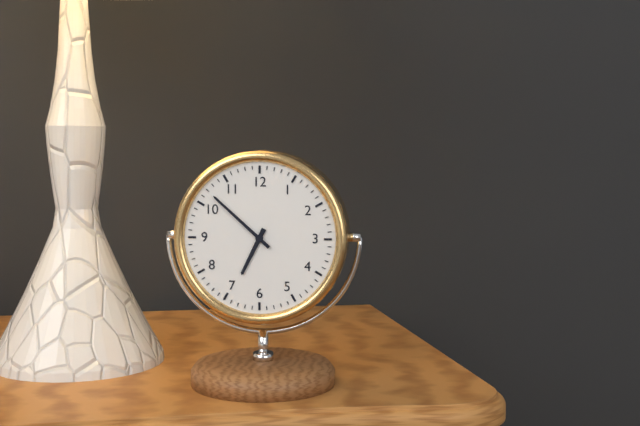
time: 6:52
